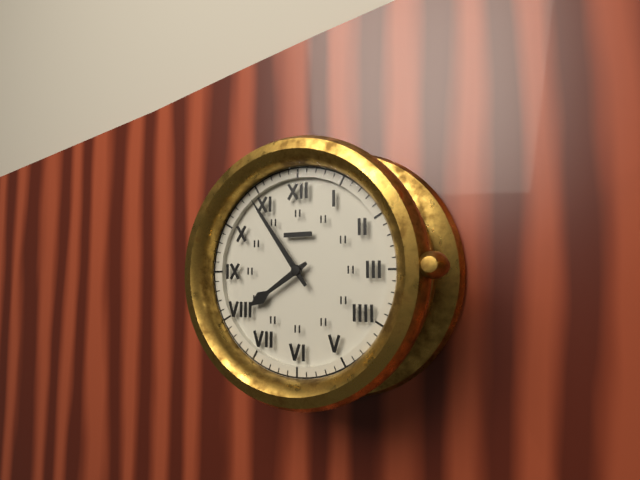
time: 7:54
